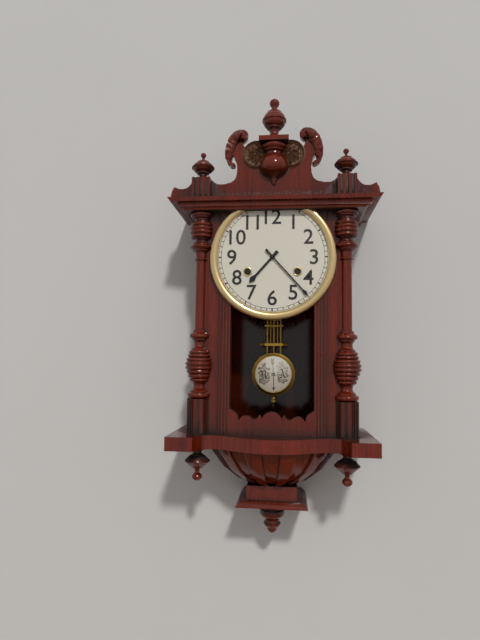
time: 7:23
